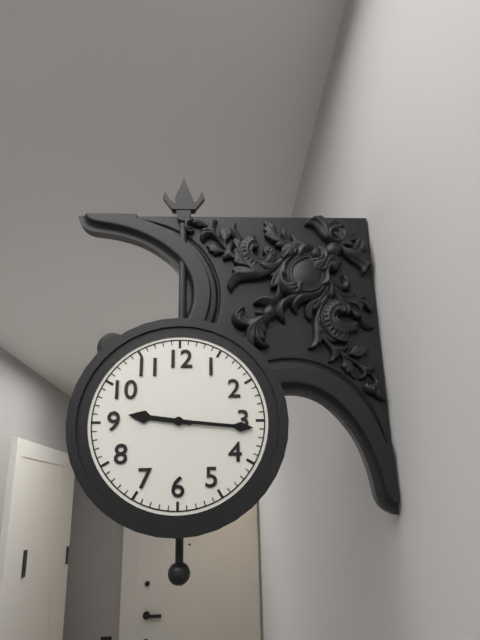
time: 9:16
